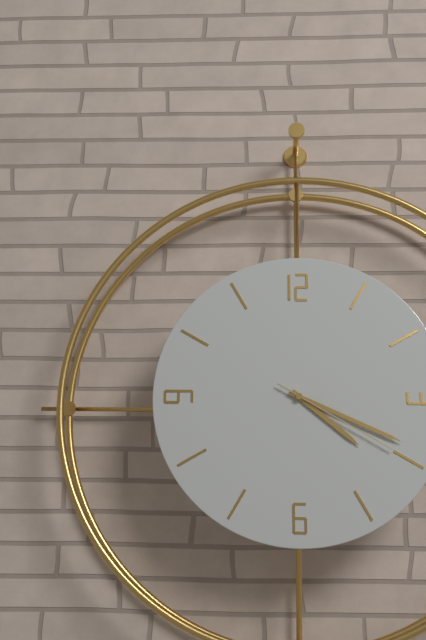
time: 4:19:20
